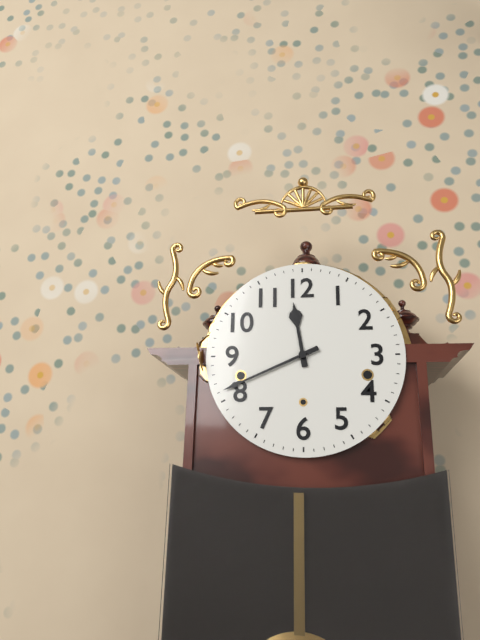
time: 11:41
